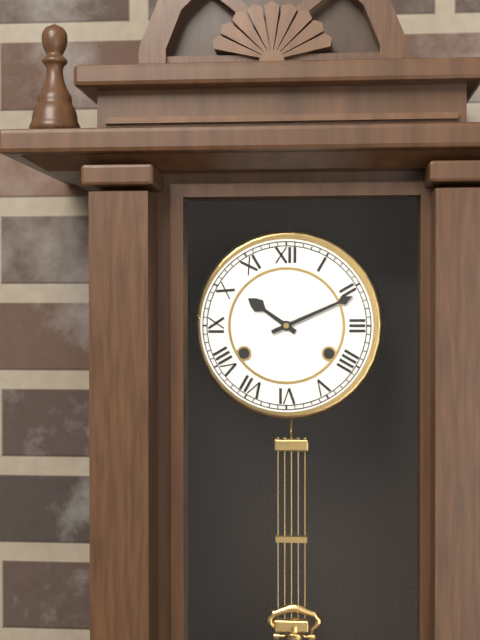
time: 10:11
